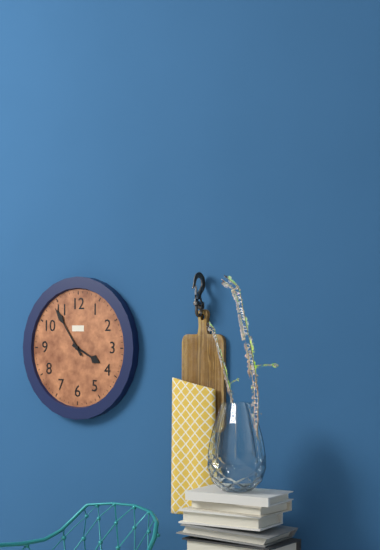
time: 3:54
